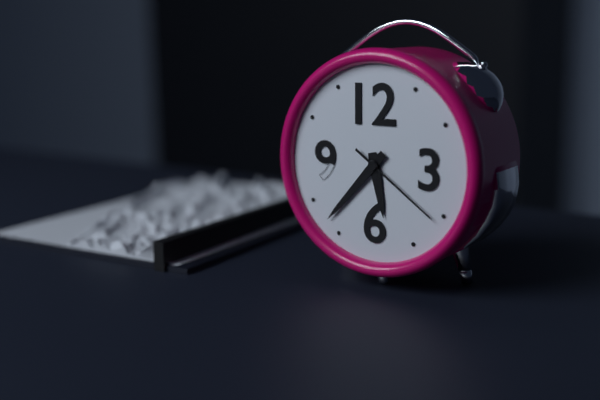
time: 5:37:21
